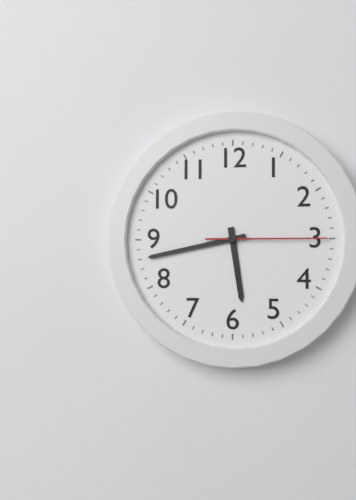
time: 5:43:15
